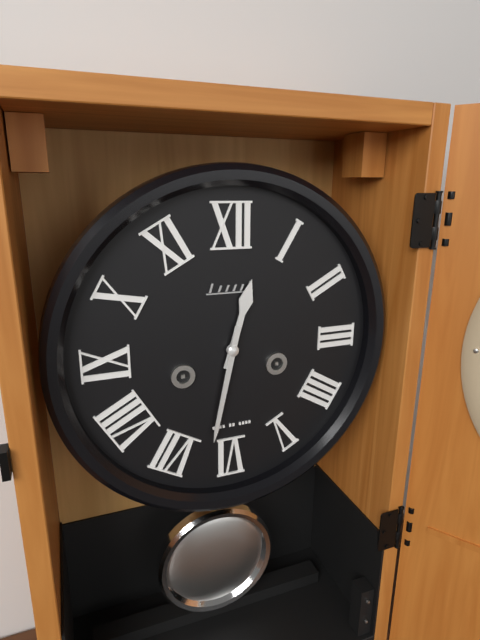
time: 12:32
